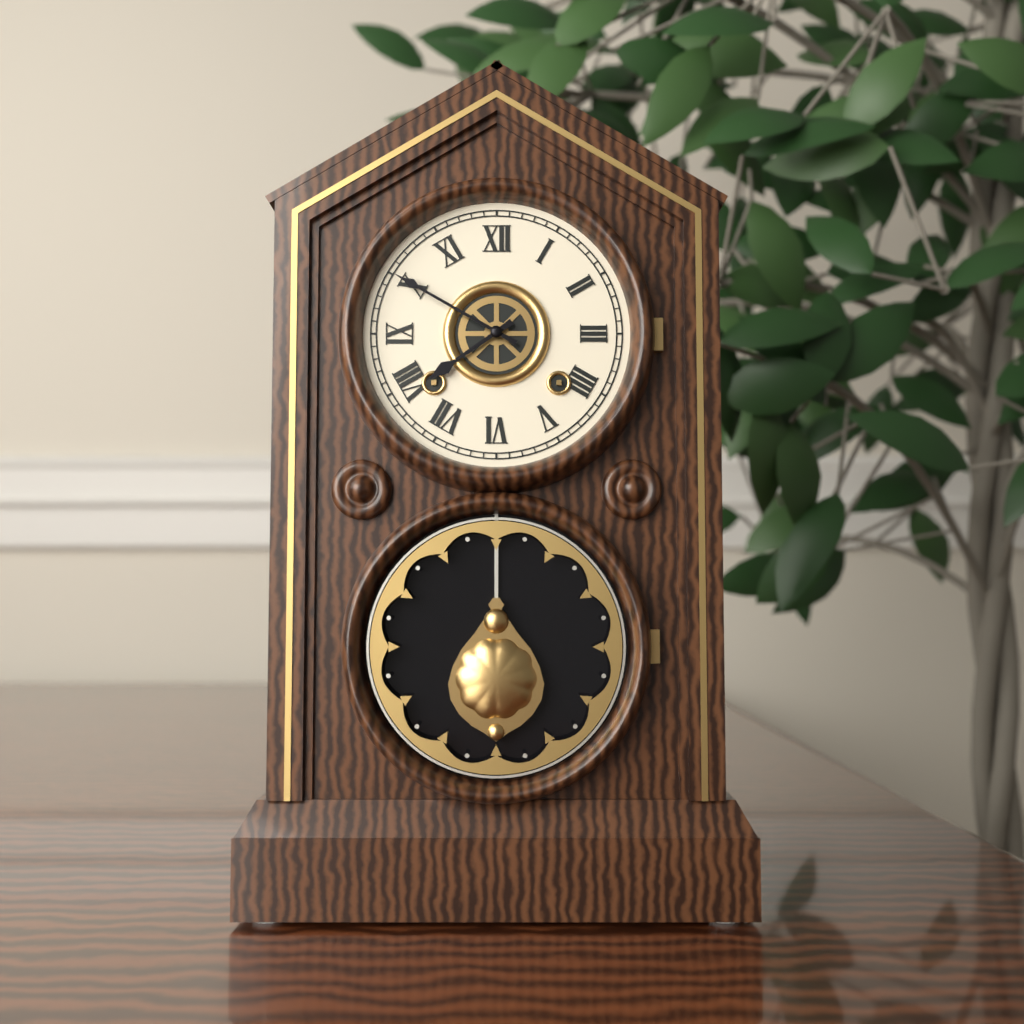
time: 7:50
